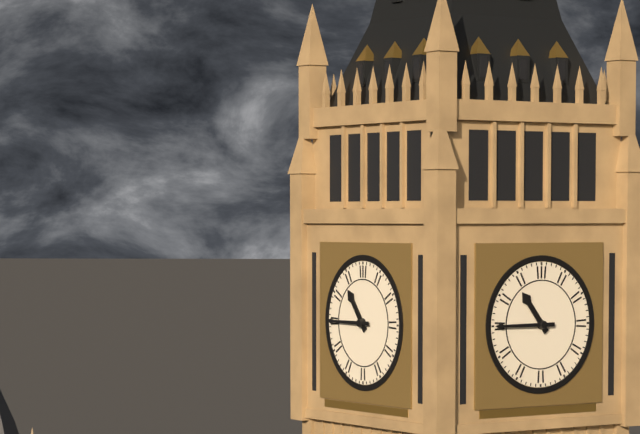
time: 10:45
